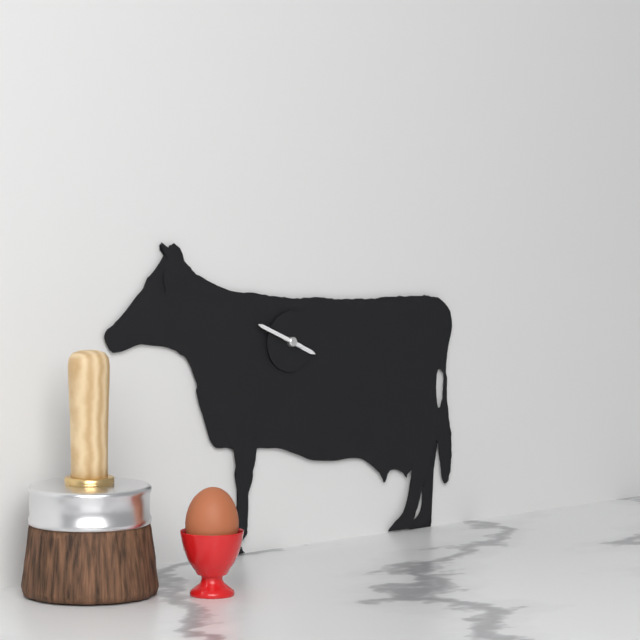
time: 3:49
